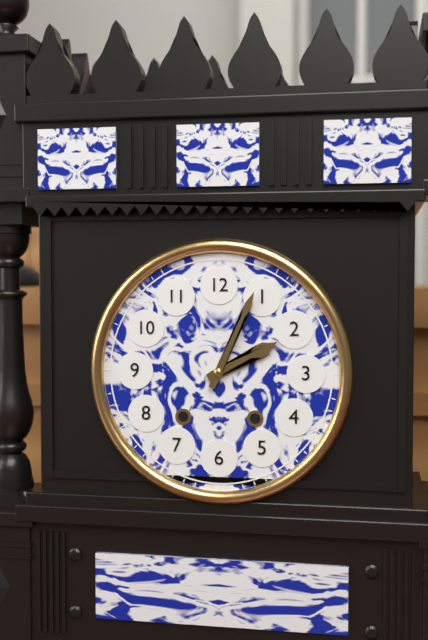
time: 2:04
